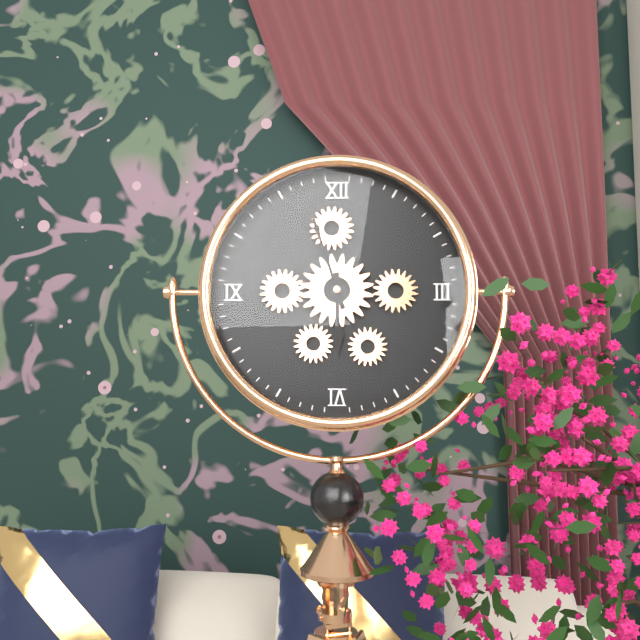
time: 5:57
